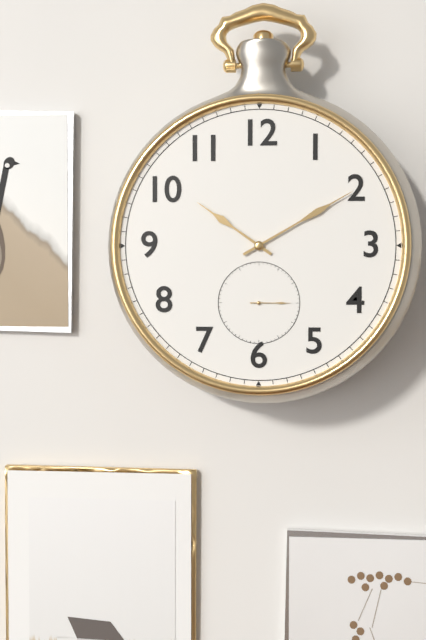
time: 10:10
